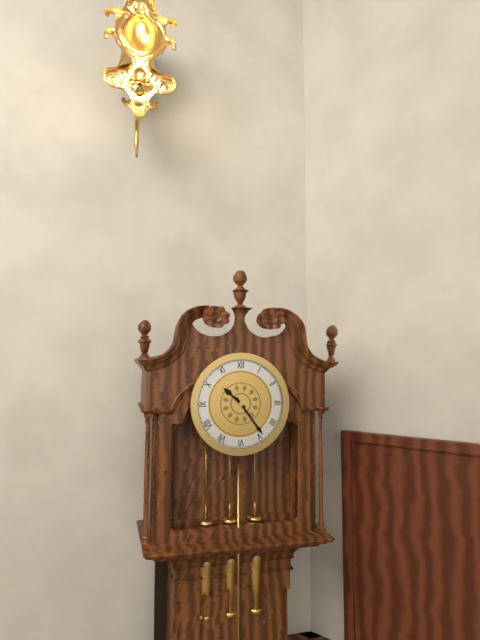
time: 10:24
